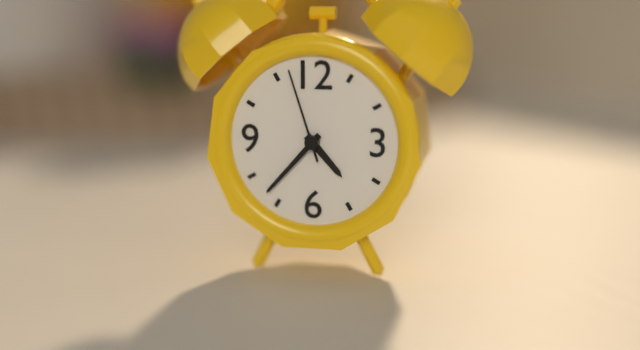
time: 4:37:57
